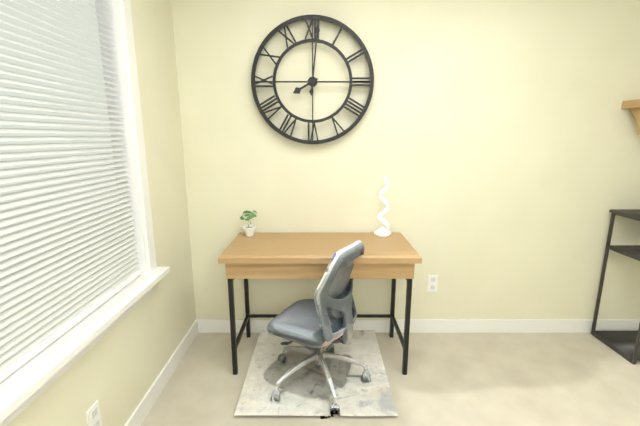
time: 8:01
